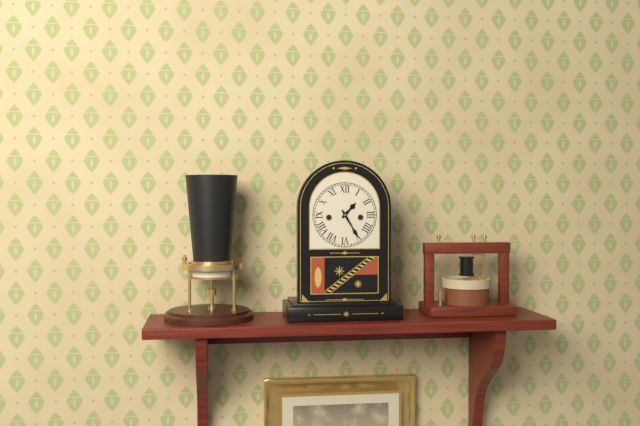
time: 1:25
